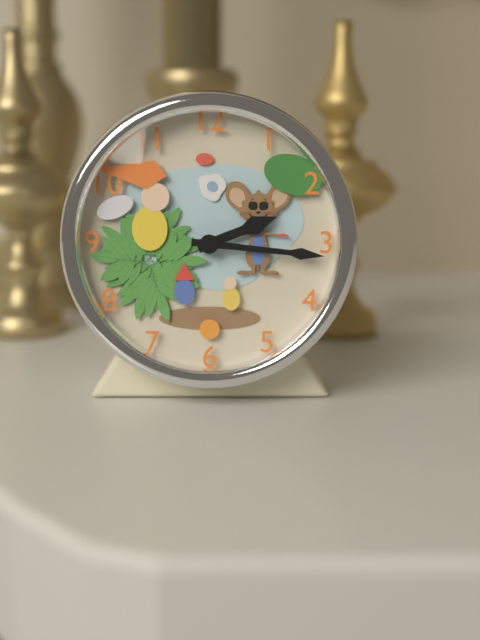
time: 2:16
